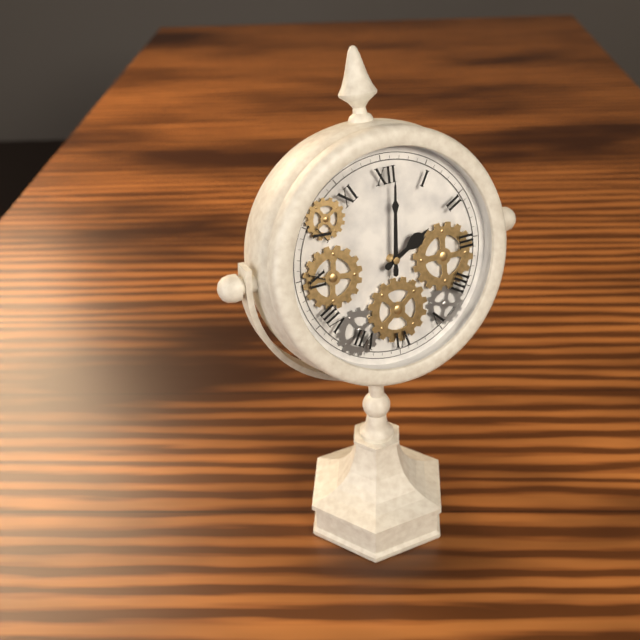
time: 2:01
